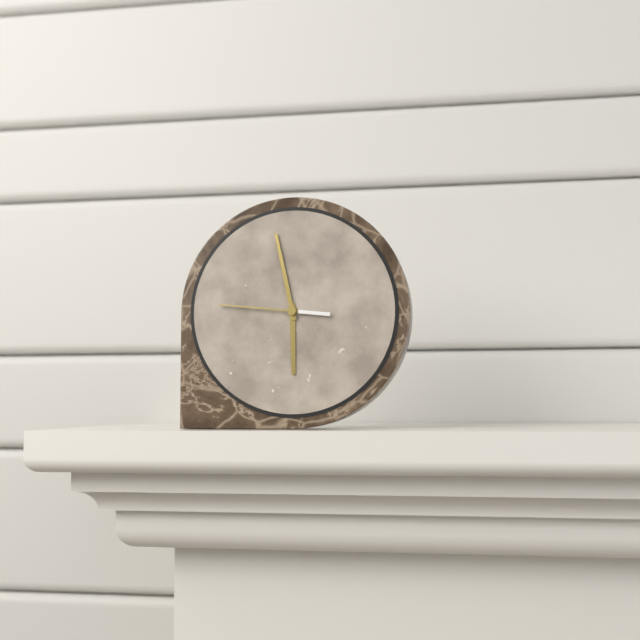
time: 5:58:46
